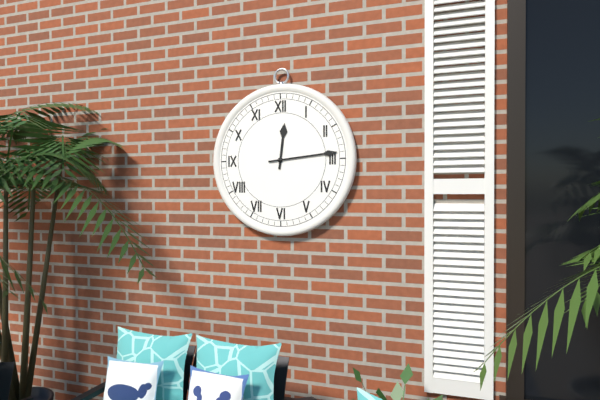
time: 12:14
